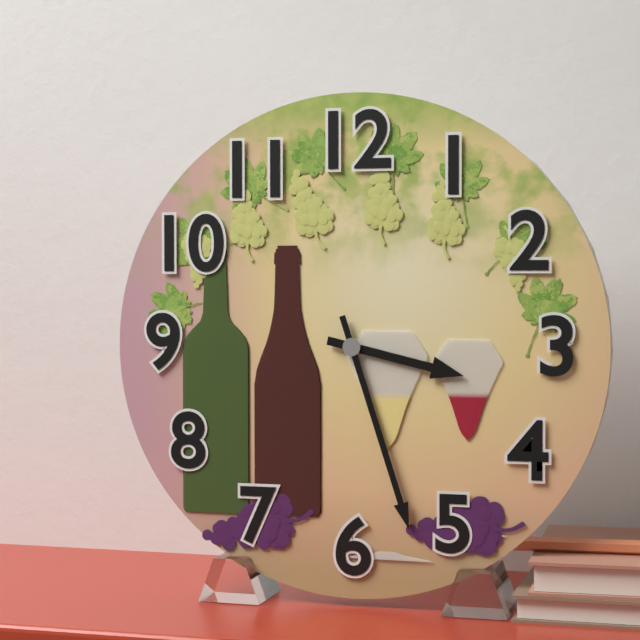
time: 3:27
